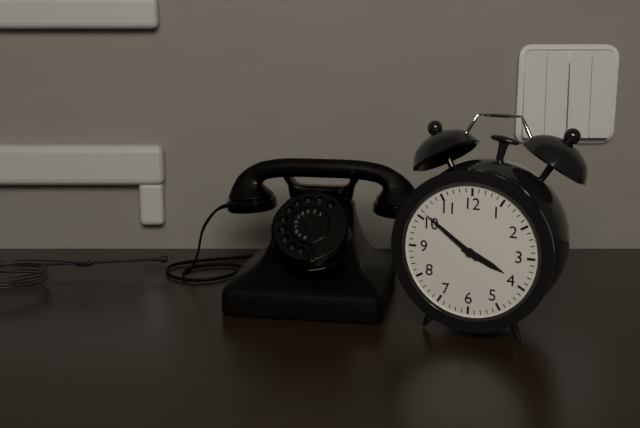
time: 3:51
